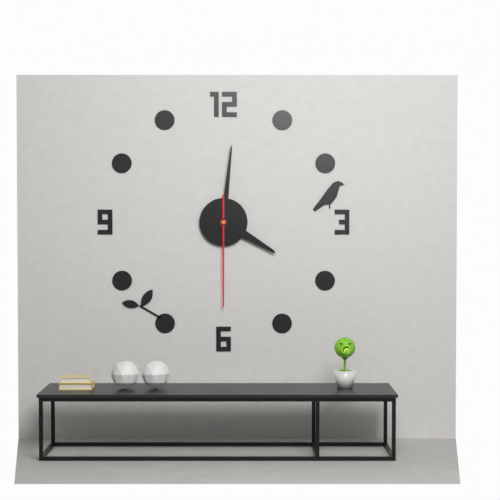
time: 4:01:30
